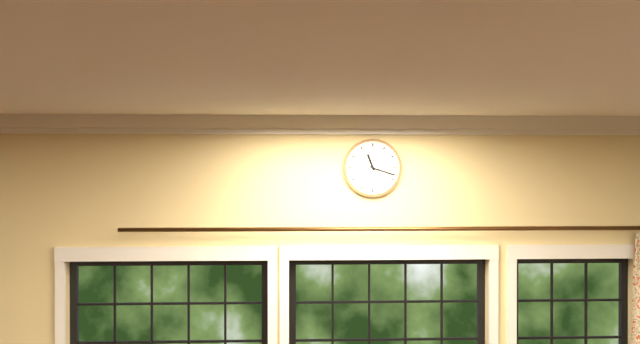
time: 11:18
